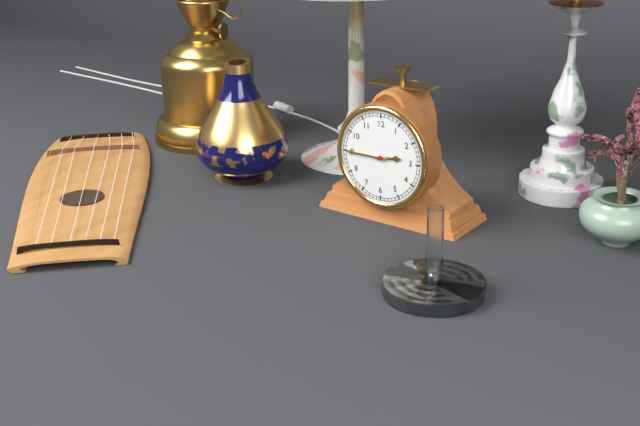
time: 2:45
